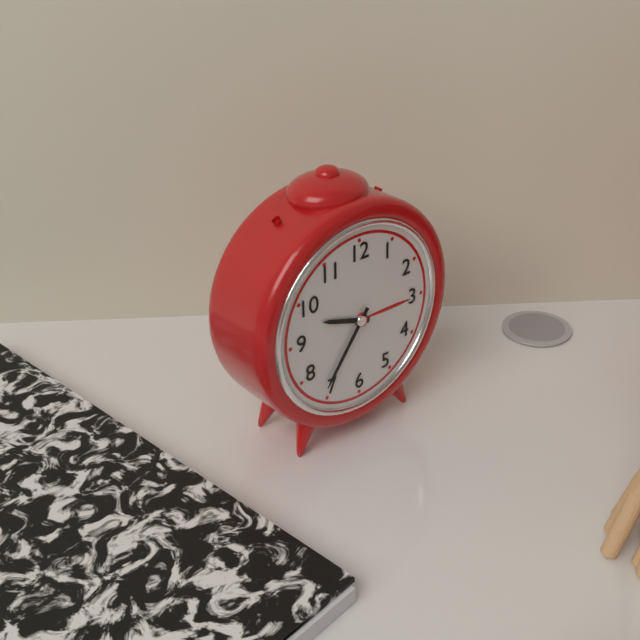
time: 9:36
